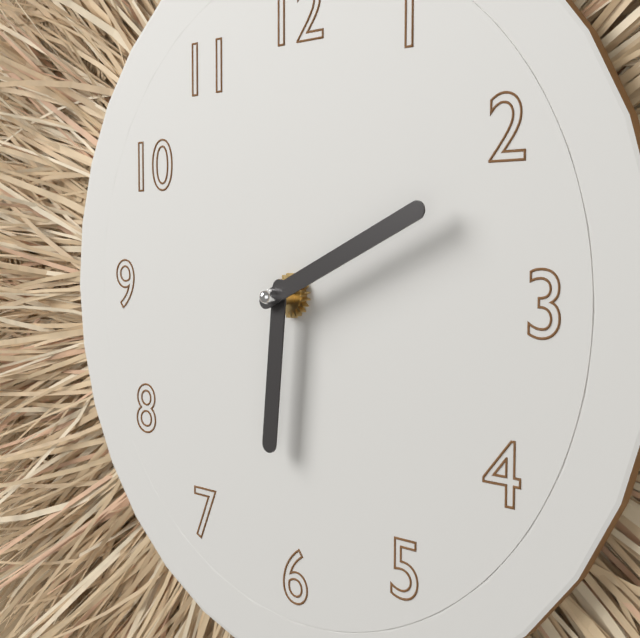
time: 6:11
